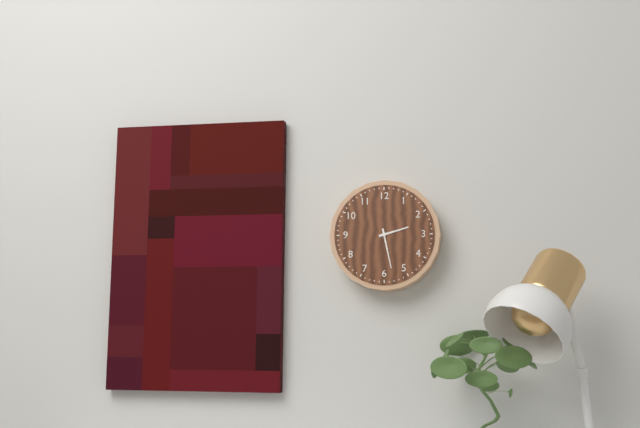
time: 2:28
